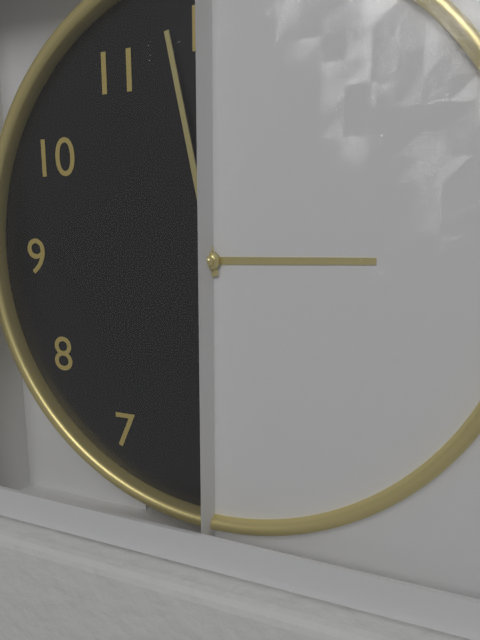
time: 2:58
